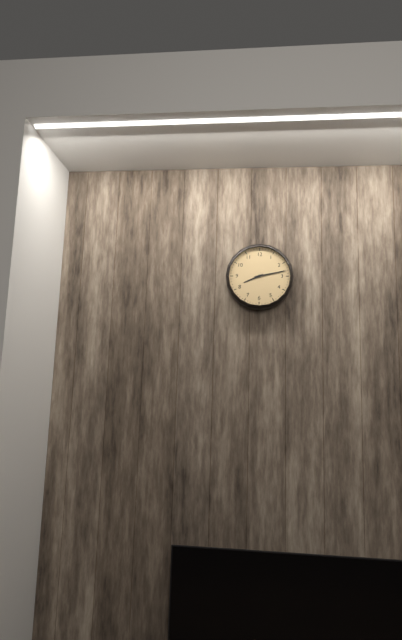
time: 8:13
